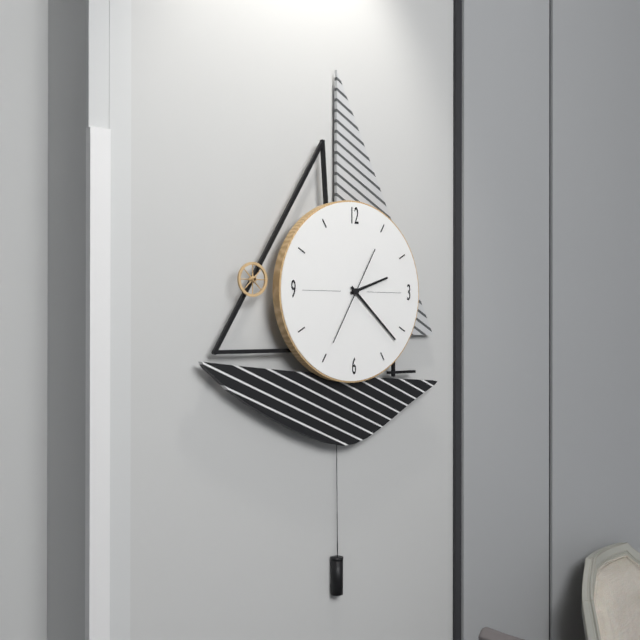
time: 2:22:35
